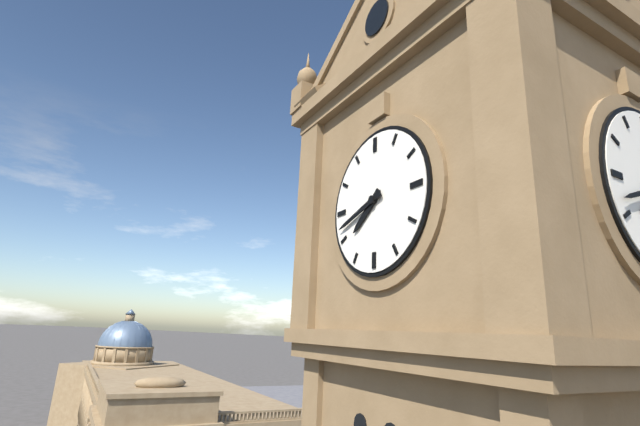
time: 7:42
